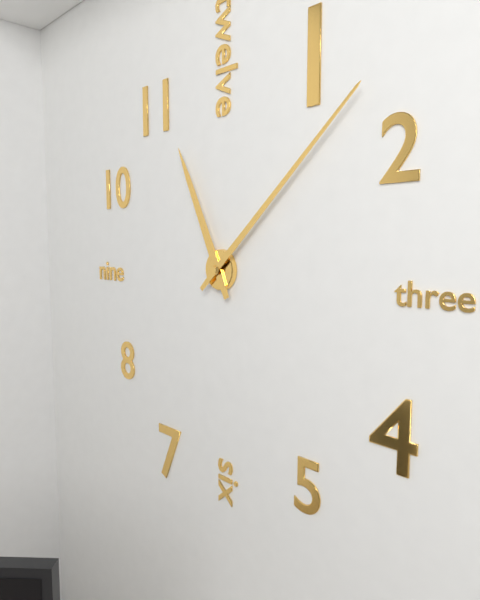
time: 11:08
